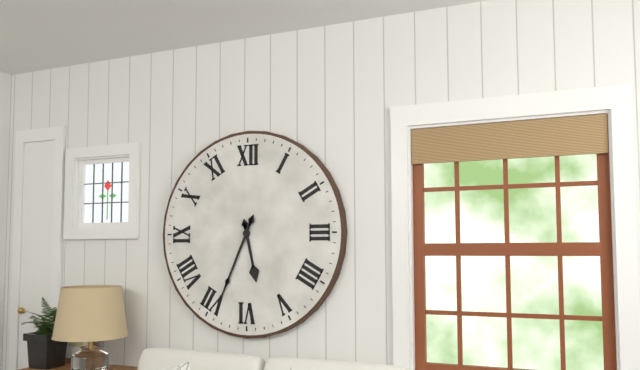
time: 5:34
